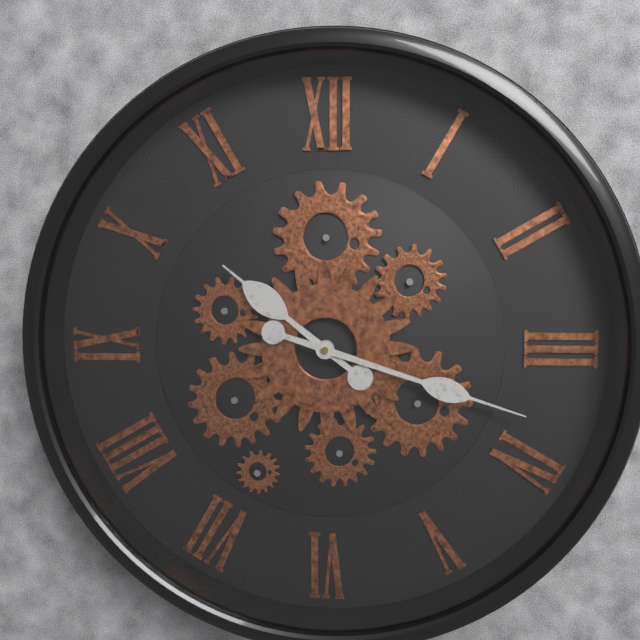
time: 10:18
